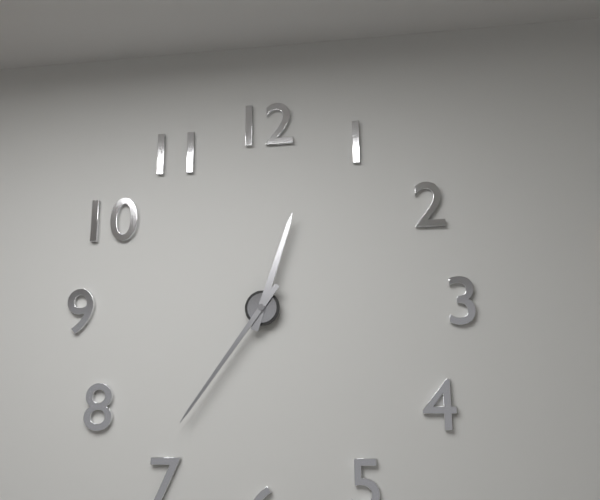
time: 12:36
